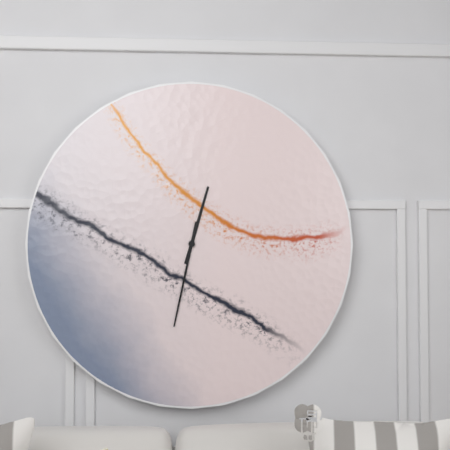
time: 12:32
